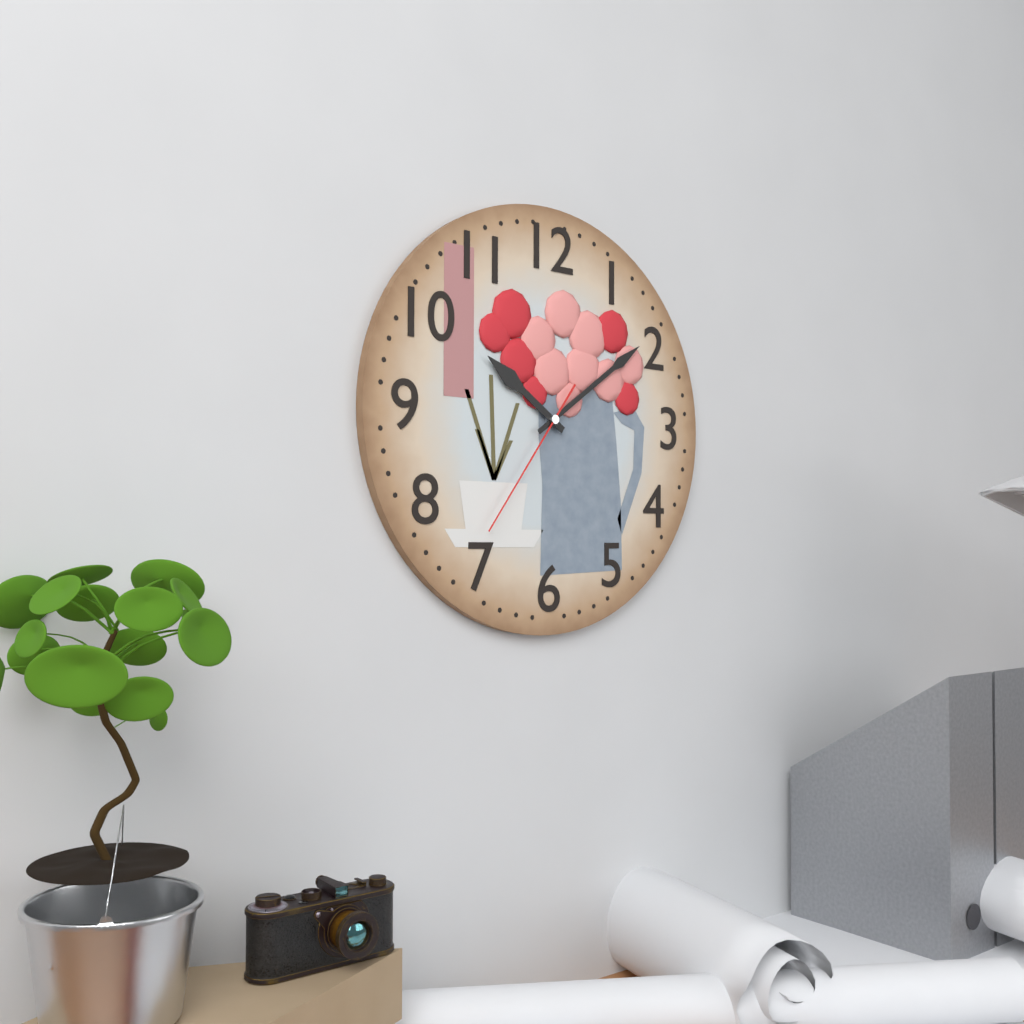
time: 10:09:36
